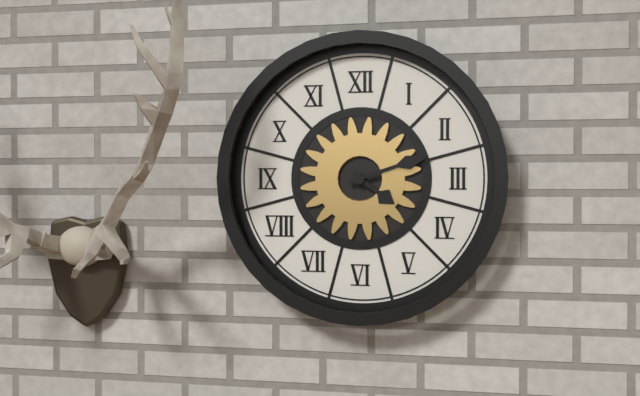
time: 4:12
